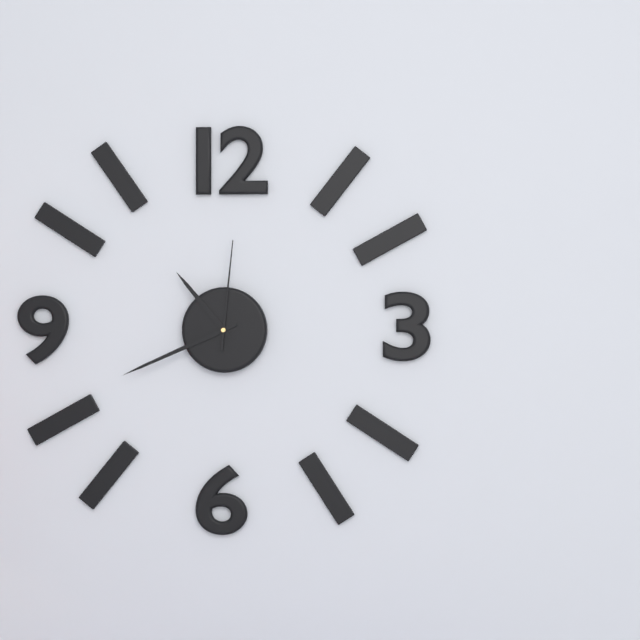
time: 10:41:01
